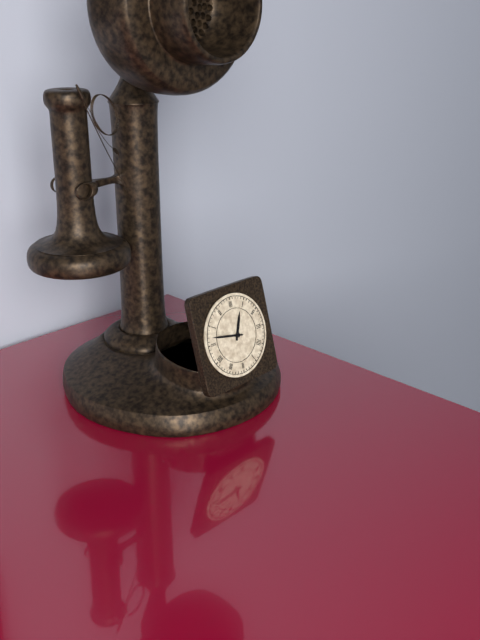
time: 12:47
